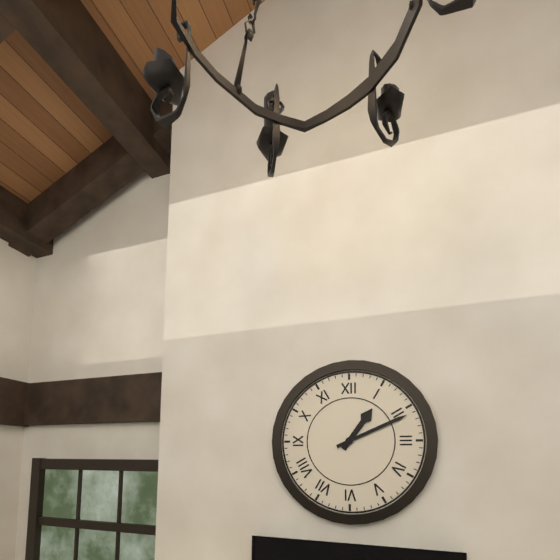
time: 1:11
